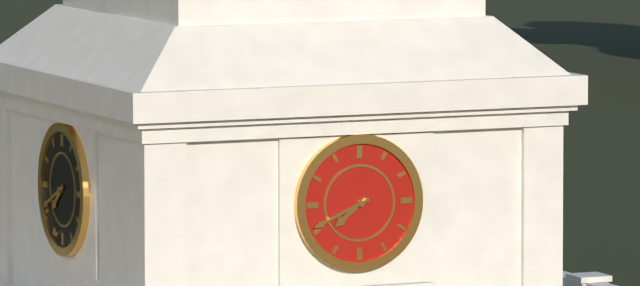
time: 7:41
